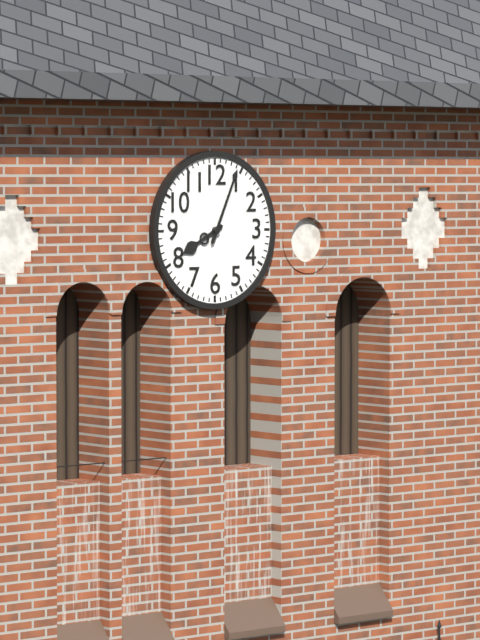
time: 8:04
